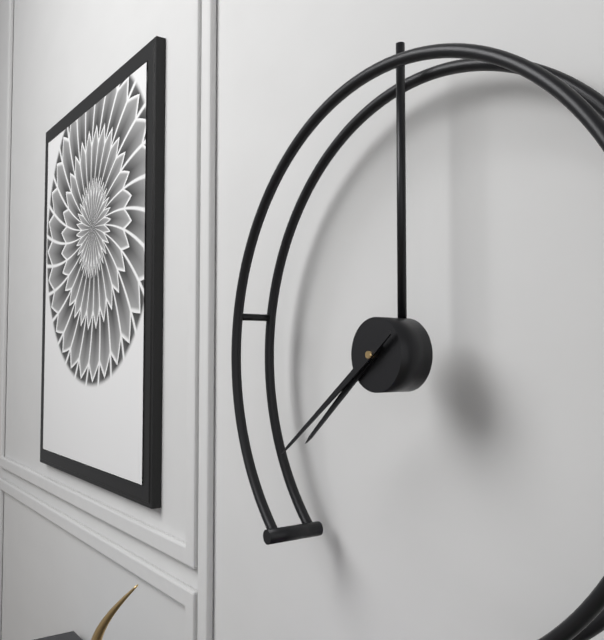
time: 7:39
